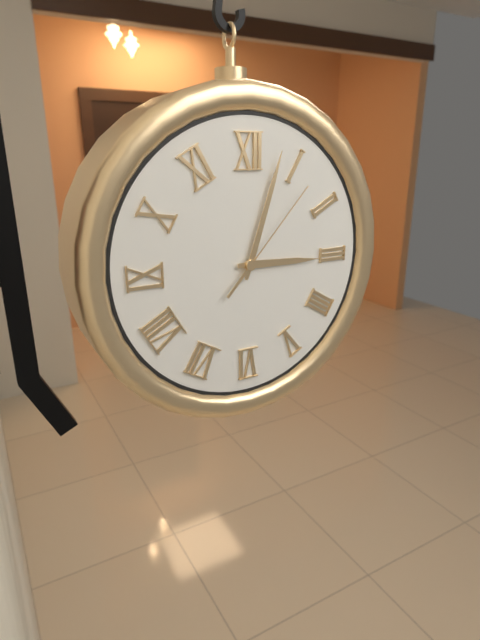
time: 3:03:07
